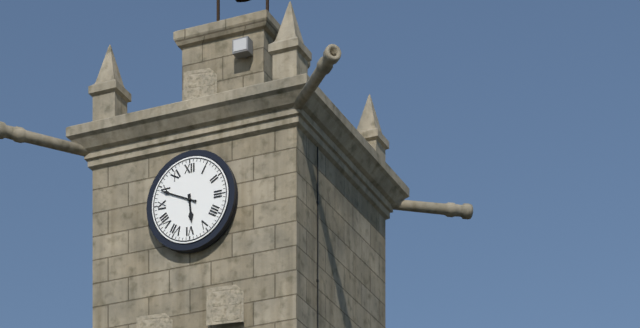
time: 5:49
